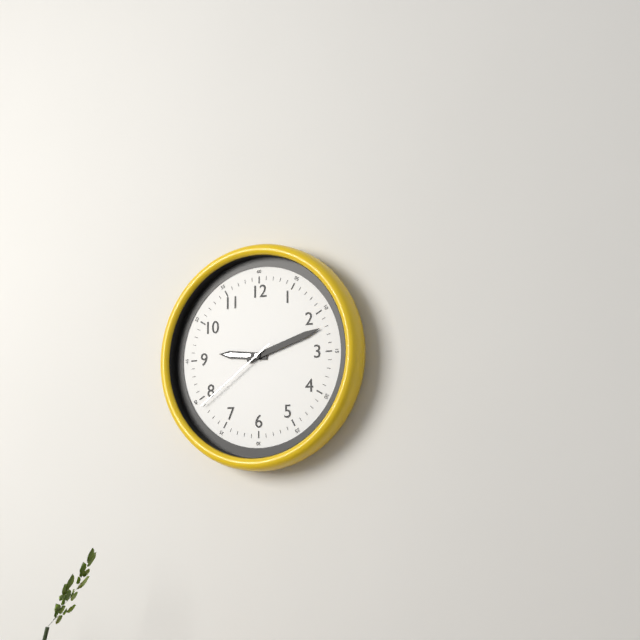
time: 9:12:39
